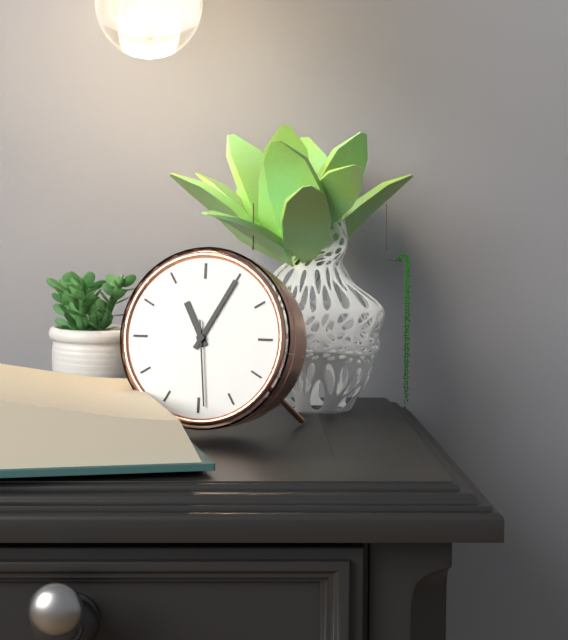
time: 11:05:29
